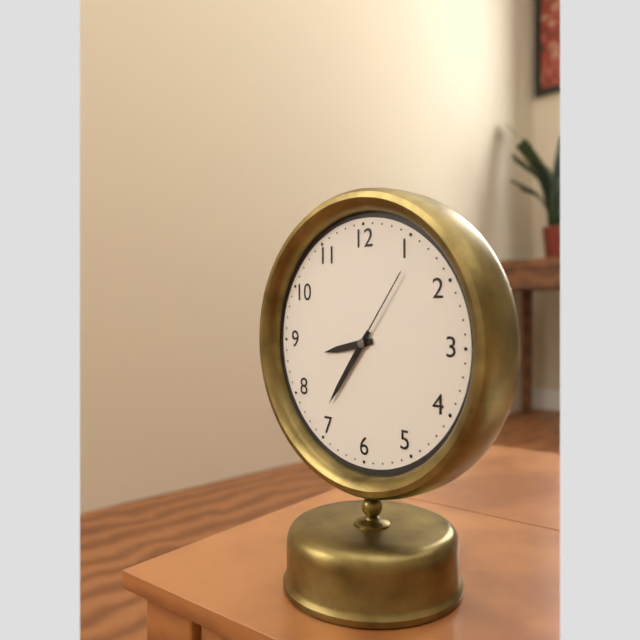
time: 8:36:06
